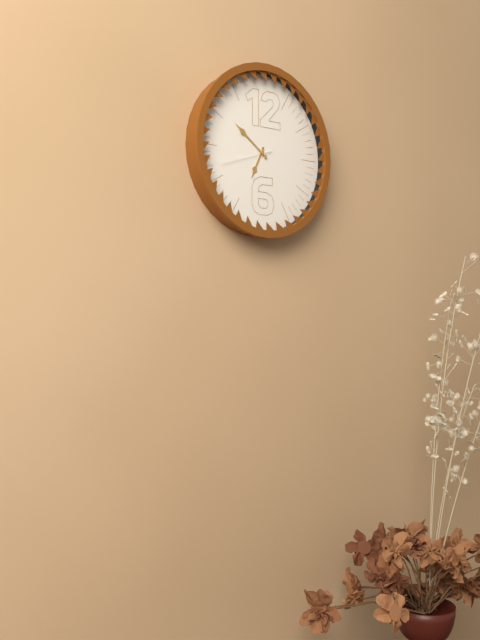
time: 6:51
